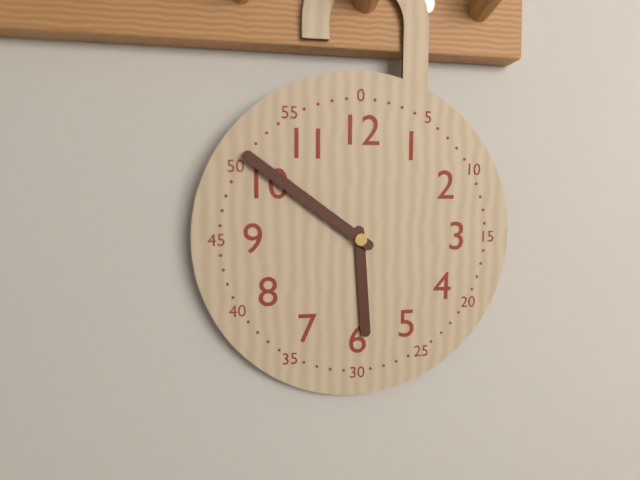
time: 5:51
